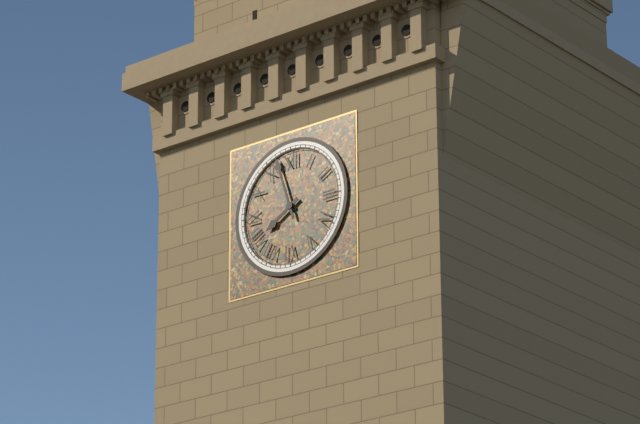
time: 7:57
